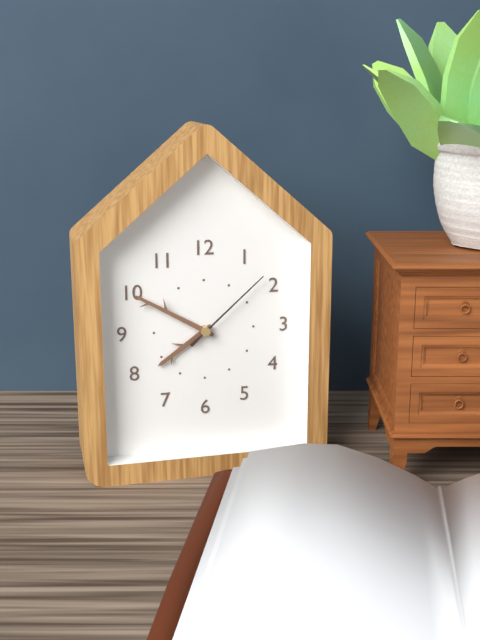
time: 7:50:08
